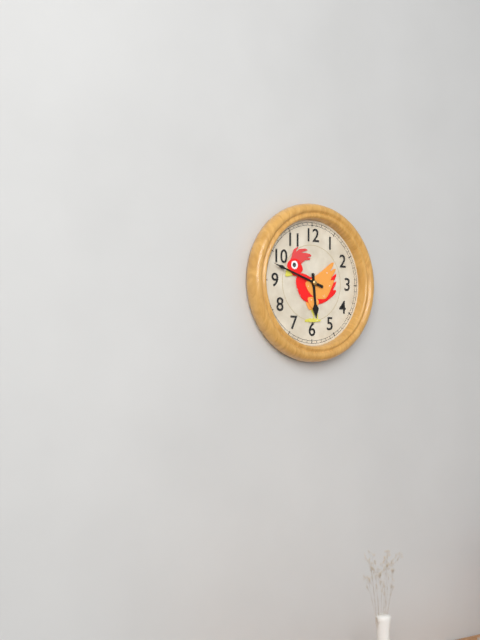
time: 5:48
